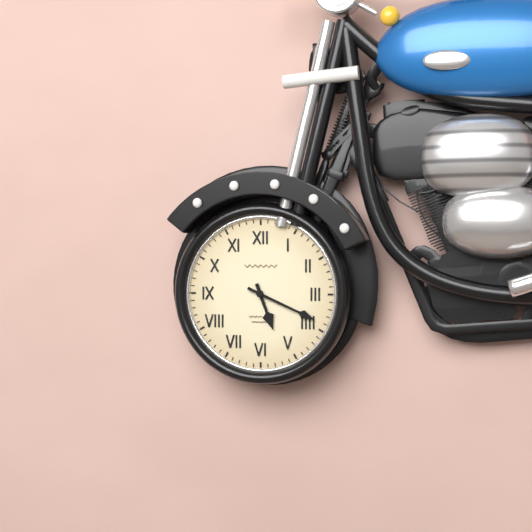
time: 5:19
